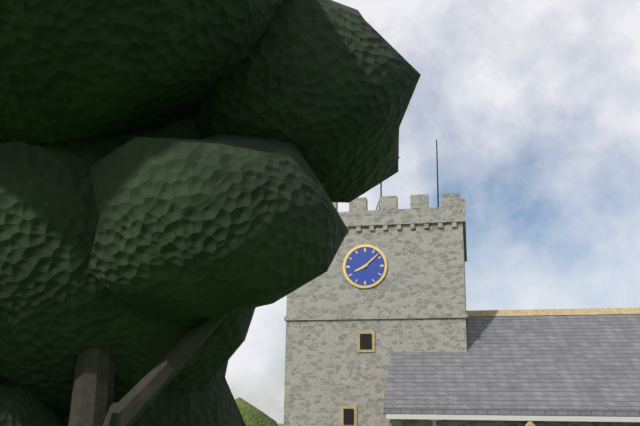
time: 8:08
